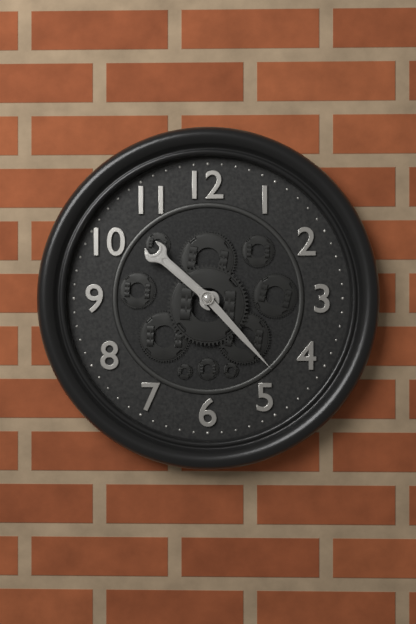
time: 10:23
